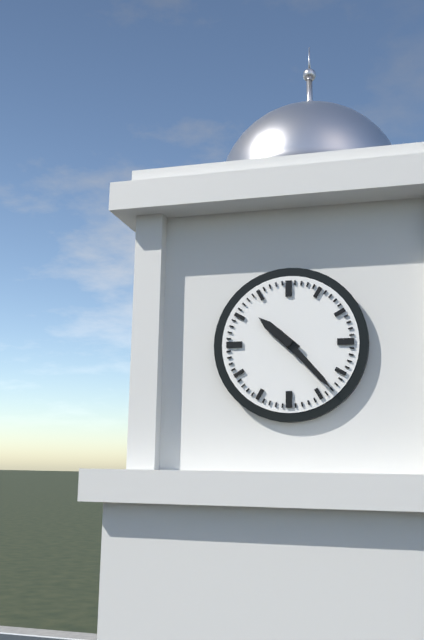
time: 10:23
